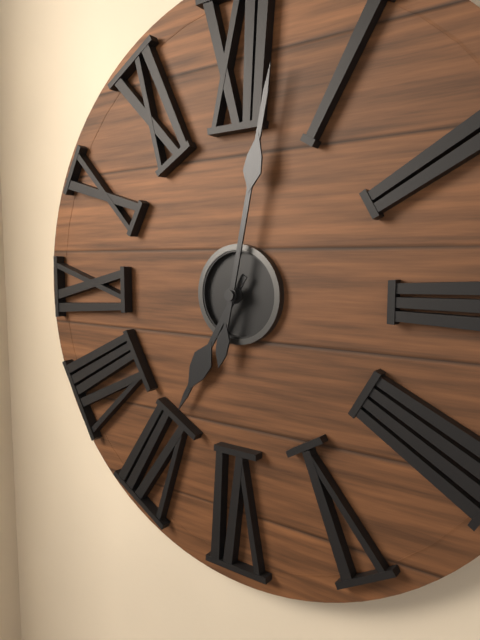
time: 7:02
